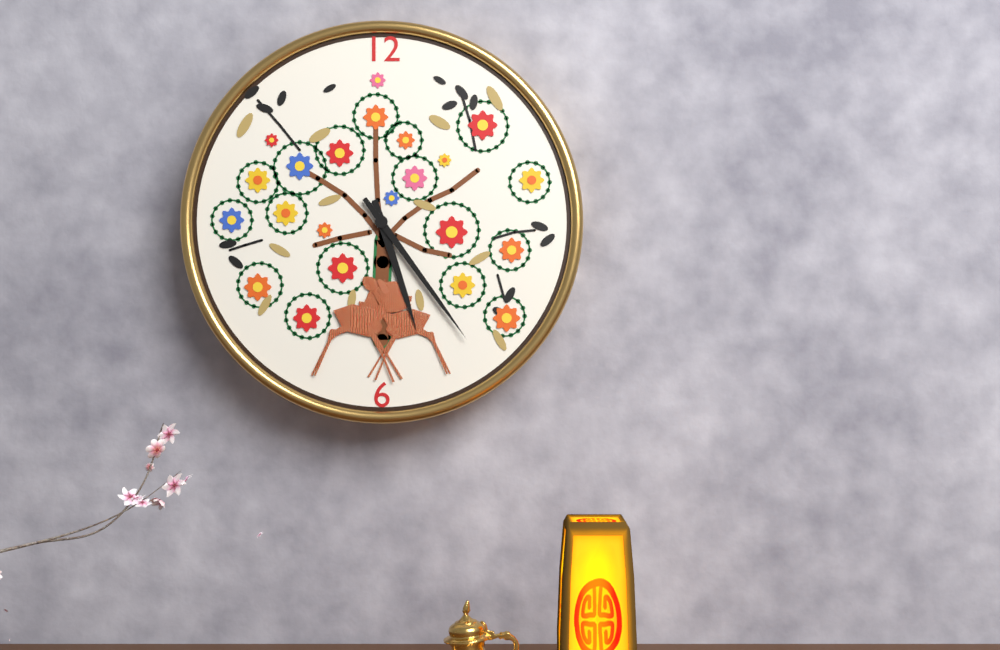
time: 5:24
